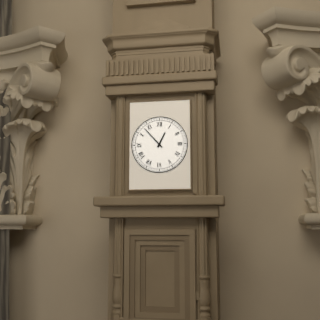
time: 12:53
